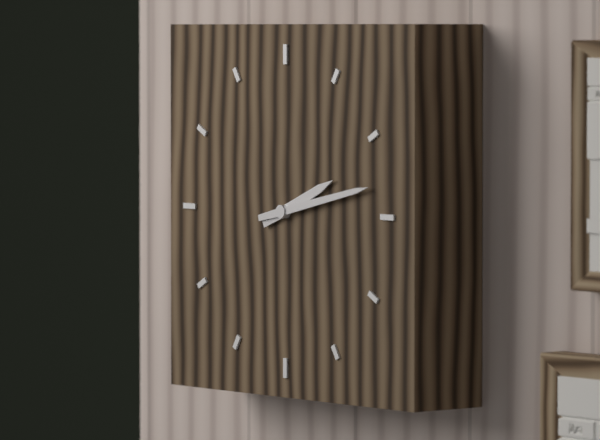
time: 2:13
